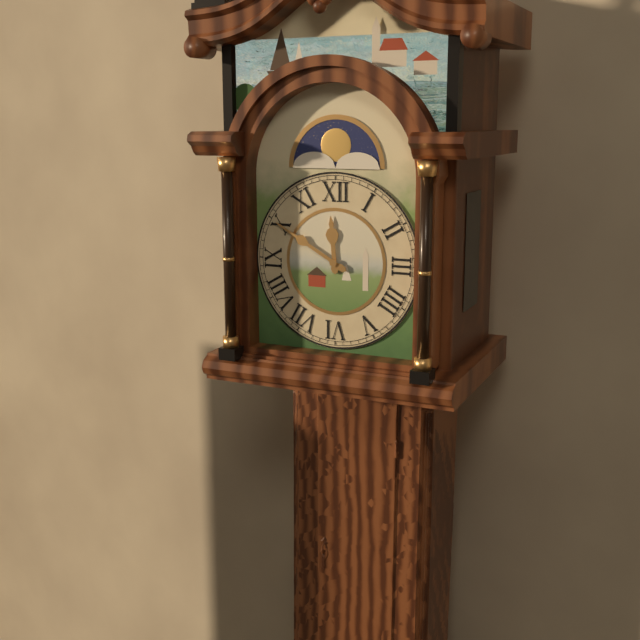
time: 11:50
